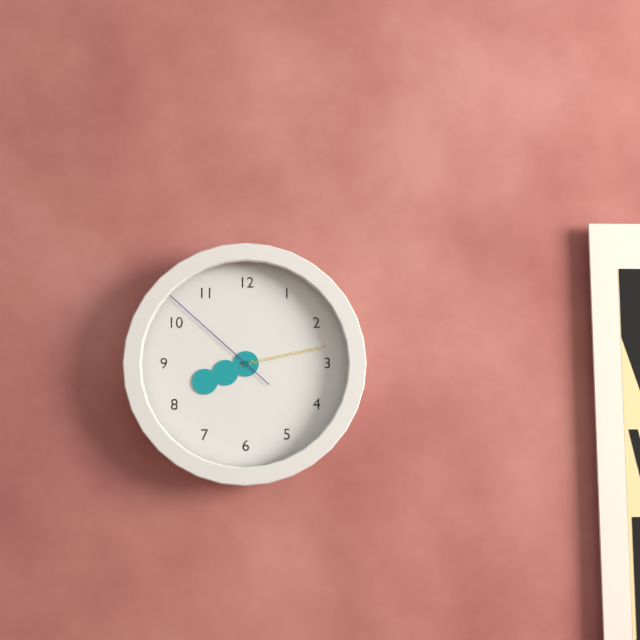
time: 8:13:52
